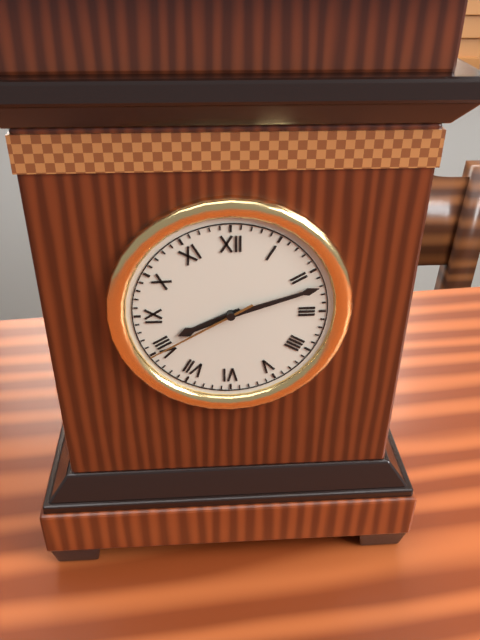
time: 8:12:40
